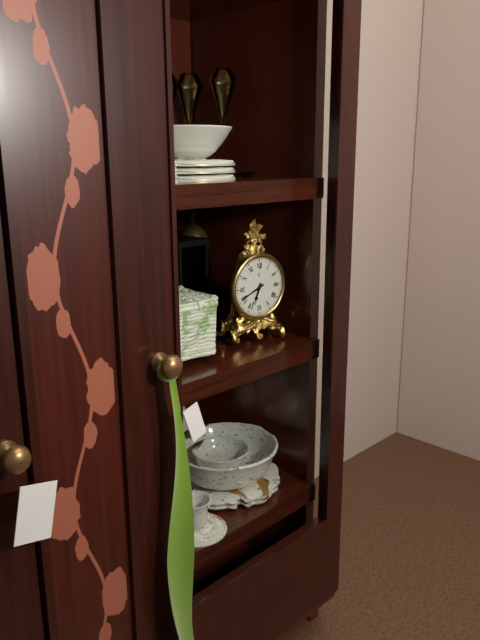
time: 6:41
